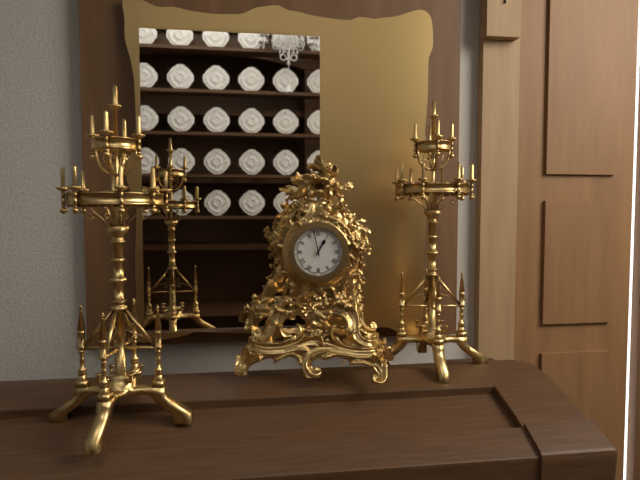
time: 12:58
